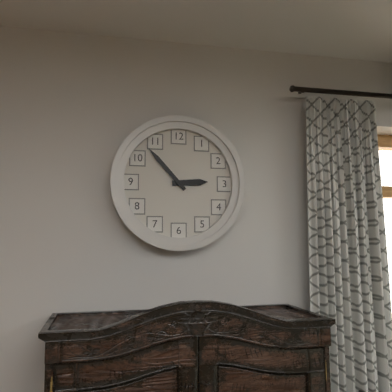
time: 2:53
